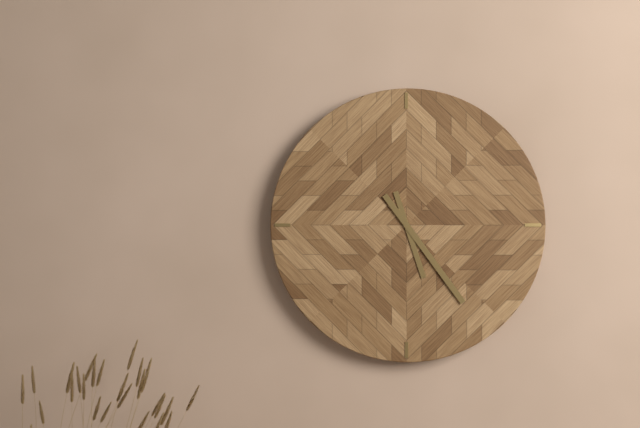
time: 5:24
